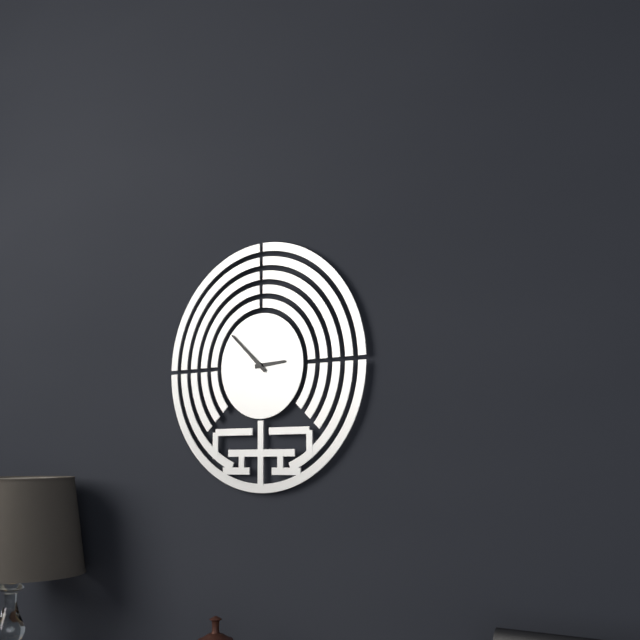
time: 2:52
